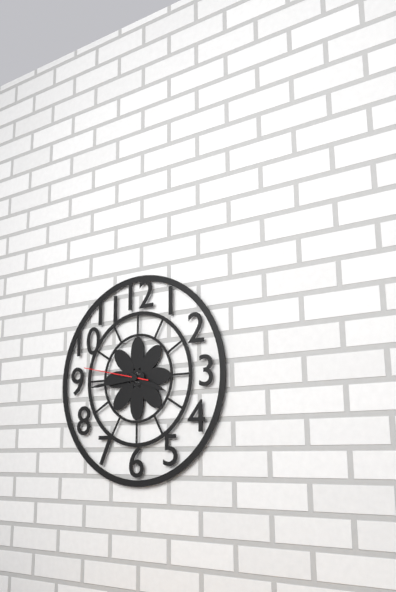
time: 3:44:47
